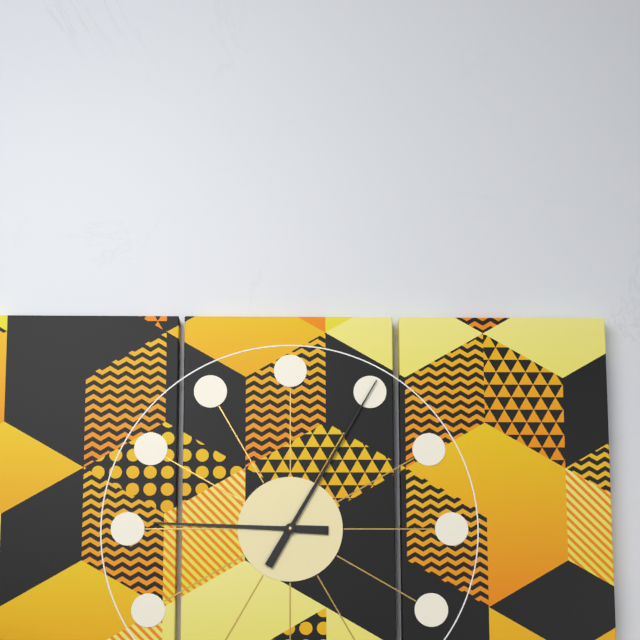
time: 9:05
